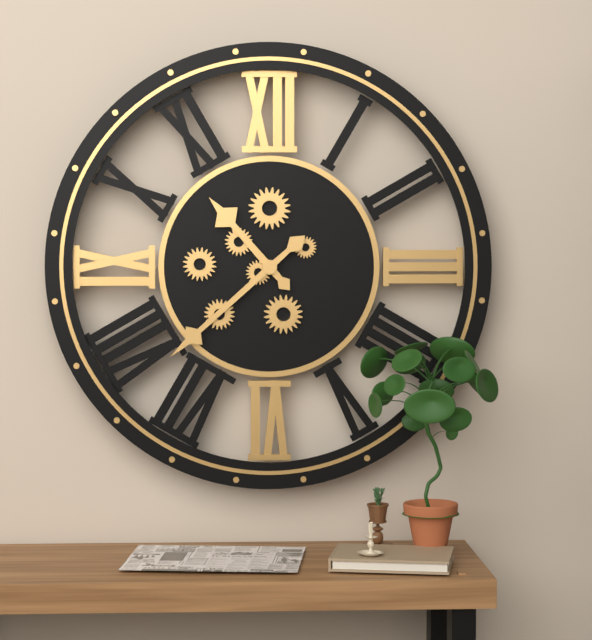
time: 10:38
